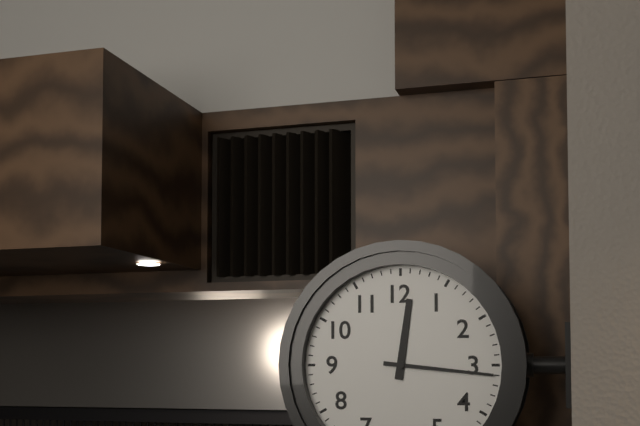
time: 12:16
